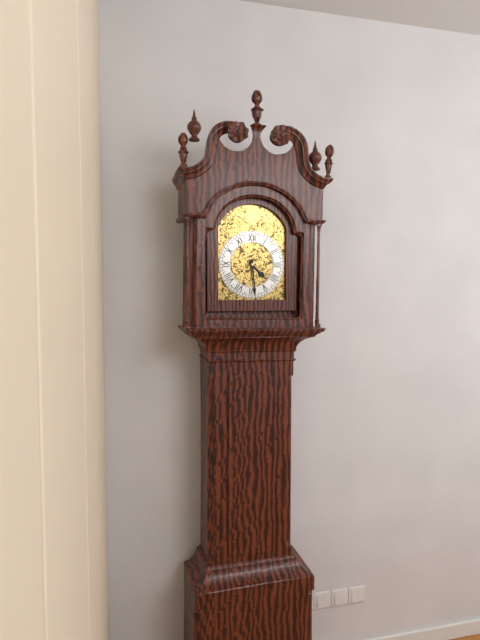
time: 4:29
